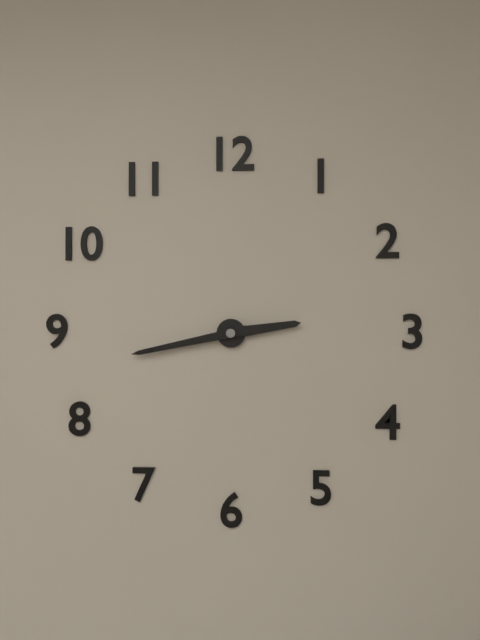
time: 2:43
